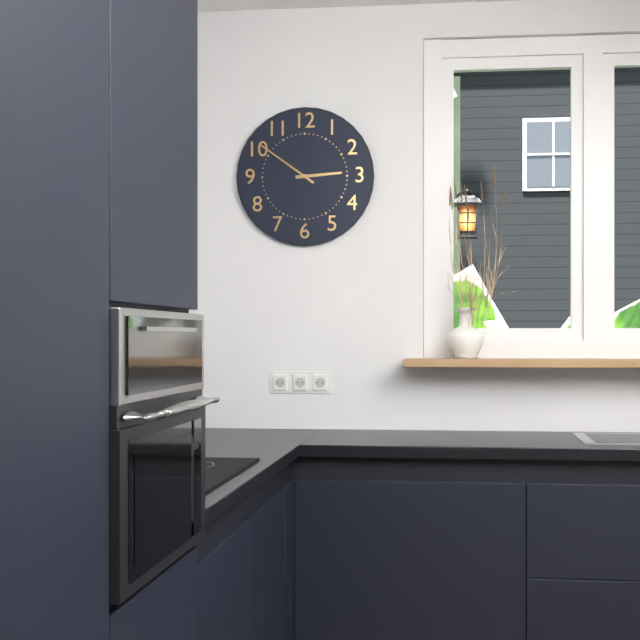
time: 2:51
